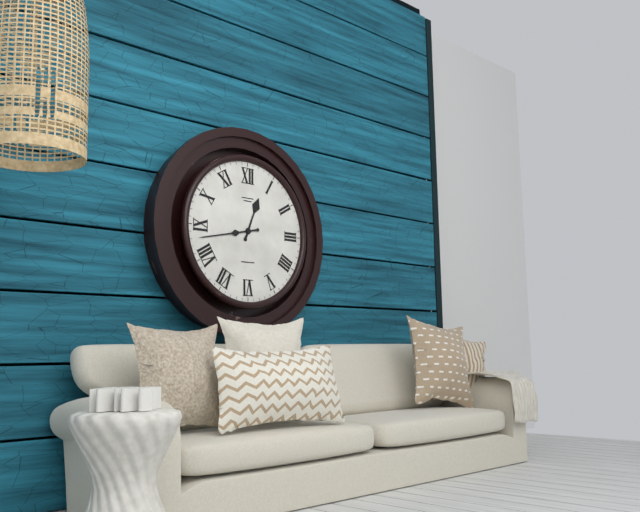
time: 12:43
